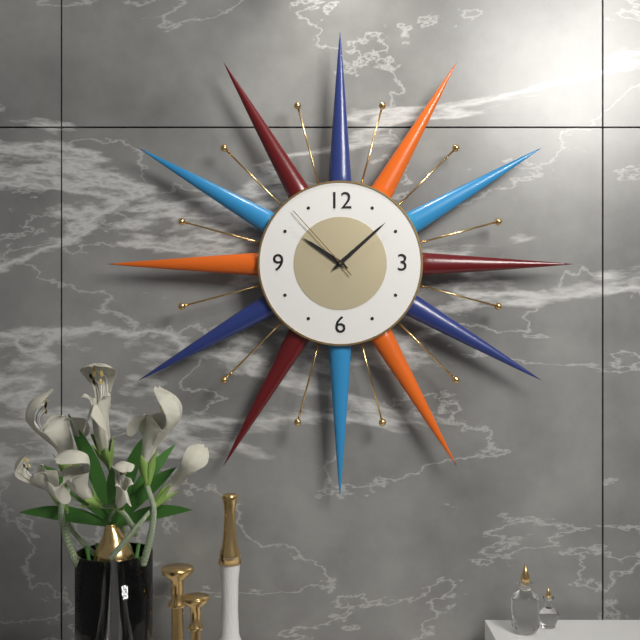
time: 10:08:53
